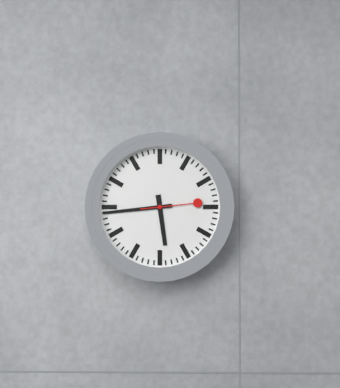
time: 5:44:14
